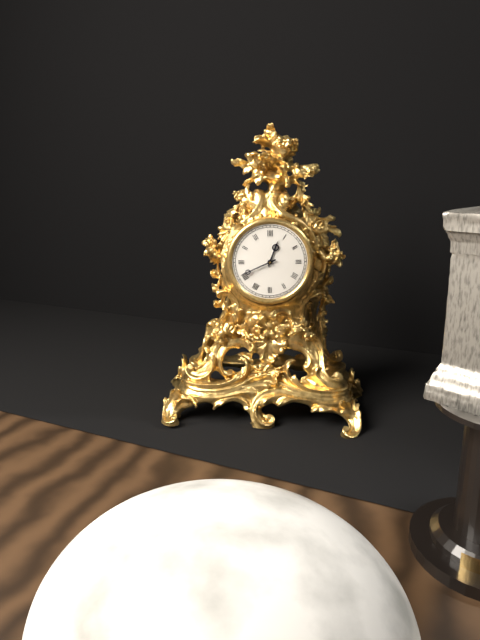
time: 12:41
